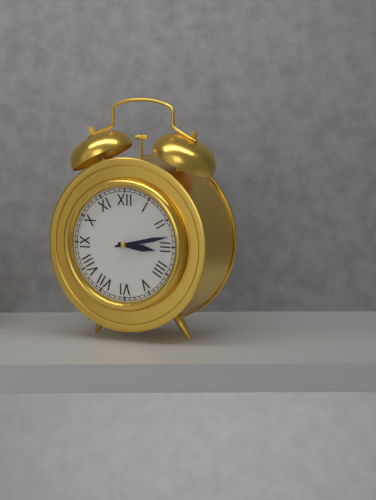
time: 3:13
